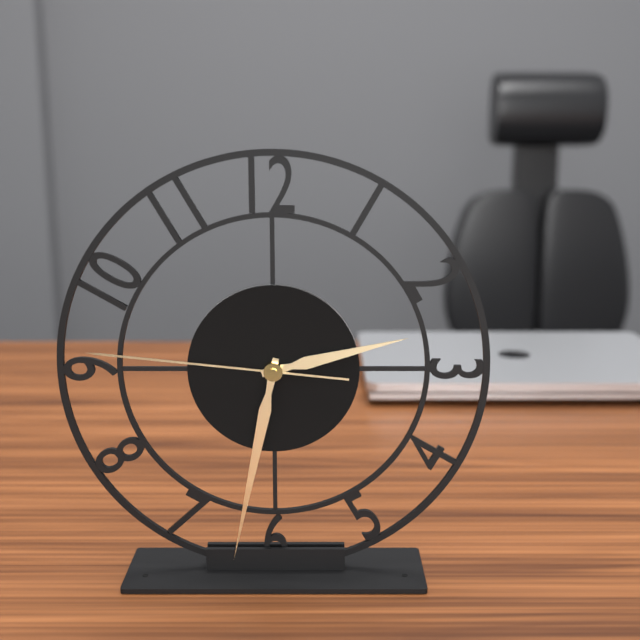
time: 2:32:46
